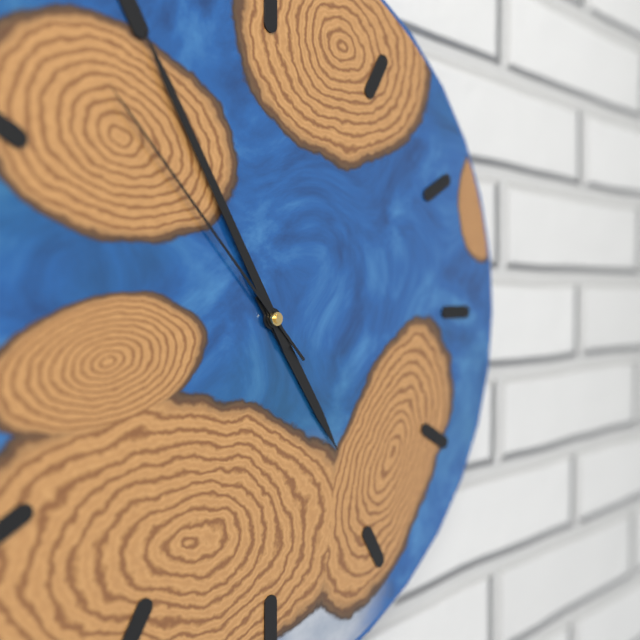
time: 4:55:53
